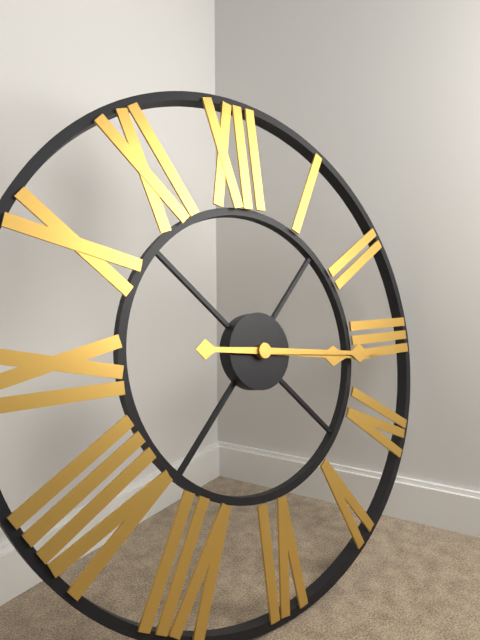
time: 3:16
